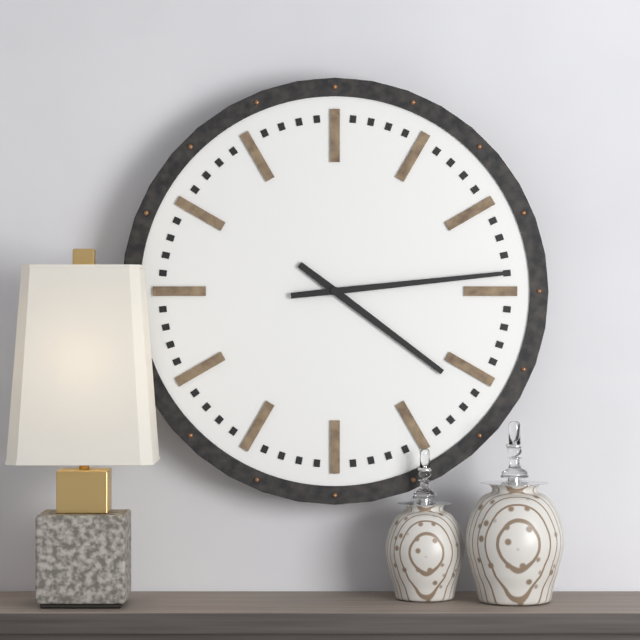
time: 4:14
